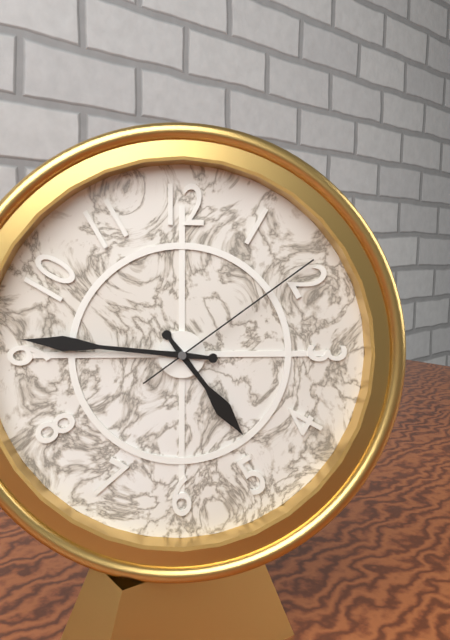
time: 4:46:09
